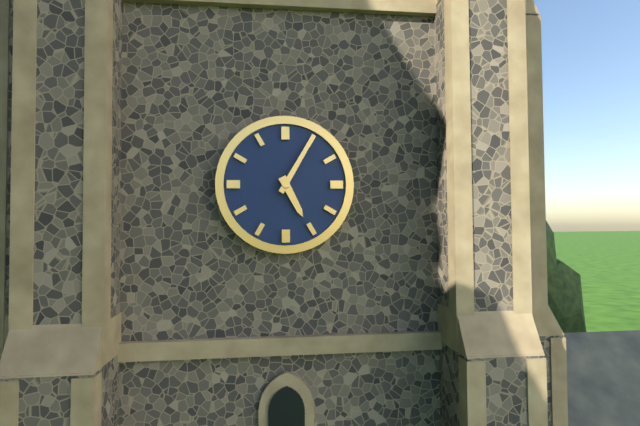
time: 5:05
